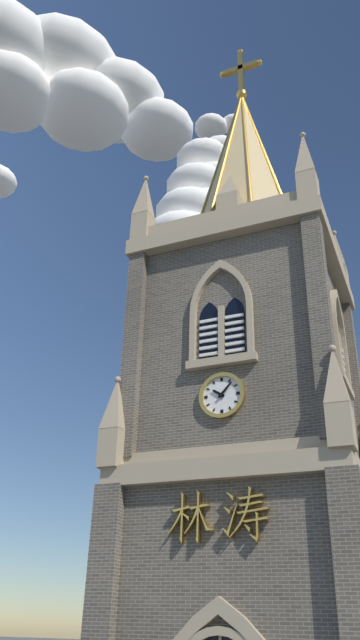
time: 10:07
